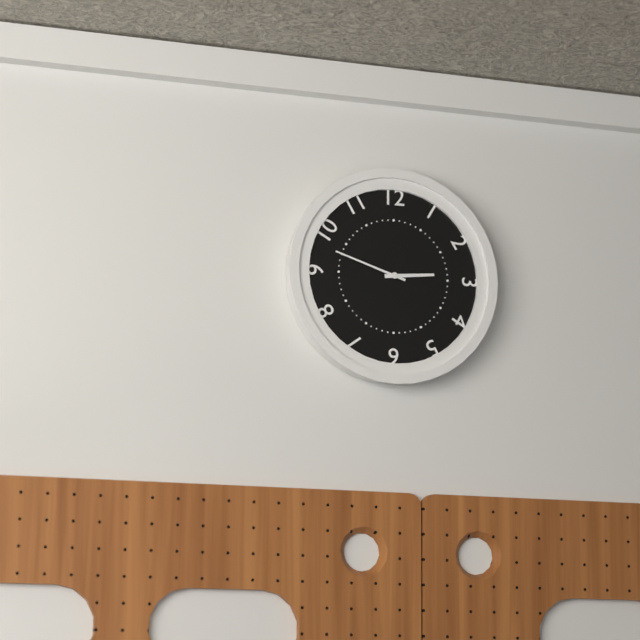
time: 2:48
